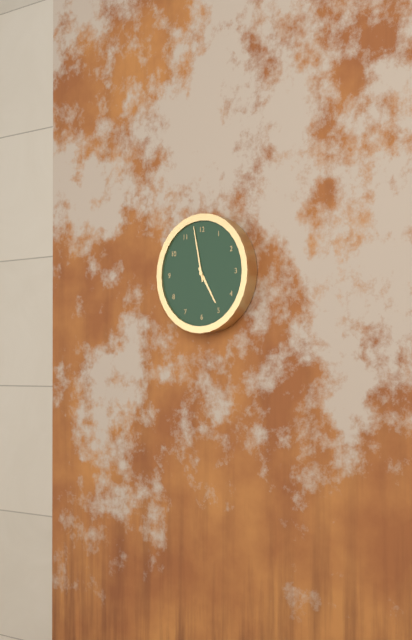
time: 4:58
